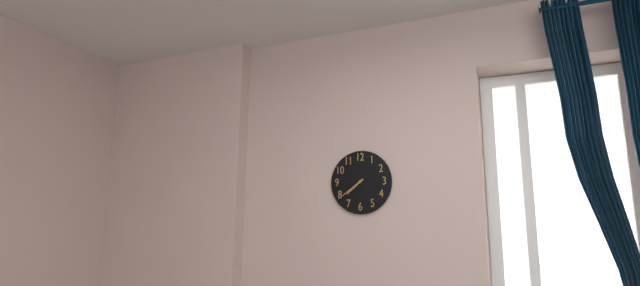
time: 7:39
